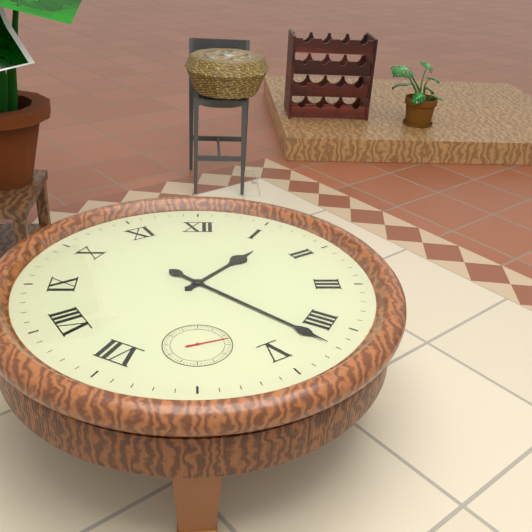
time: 1:22
